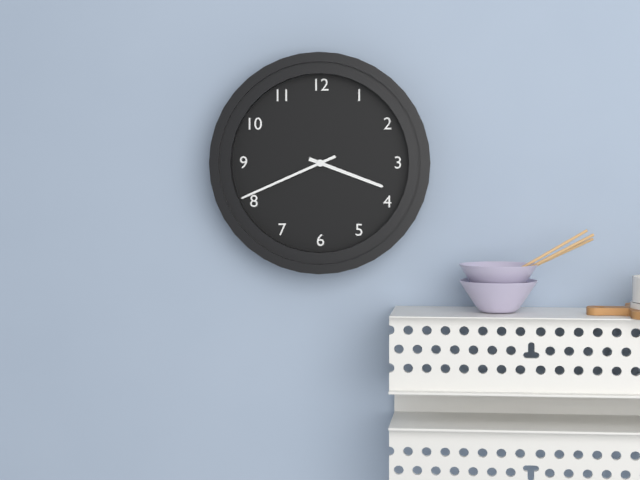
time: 3:41
